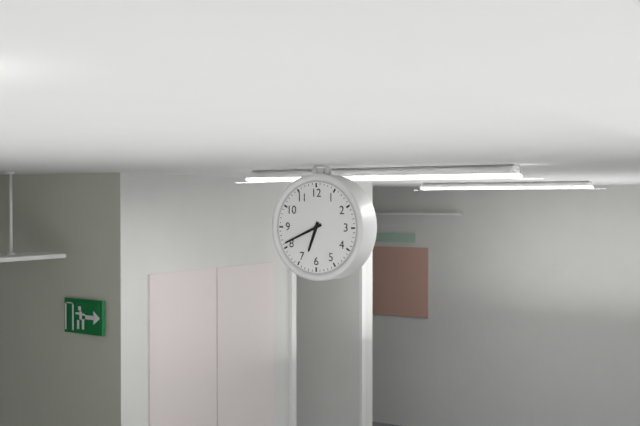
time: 6:41
